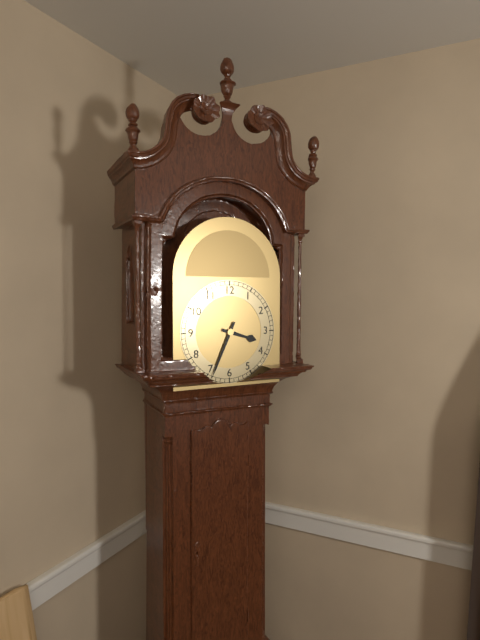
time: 3:34
